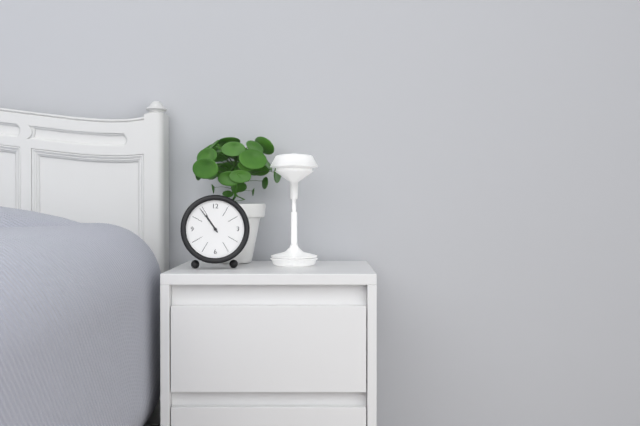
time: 10:54
